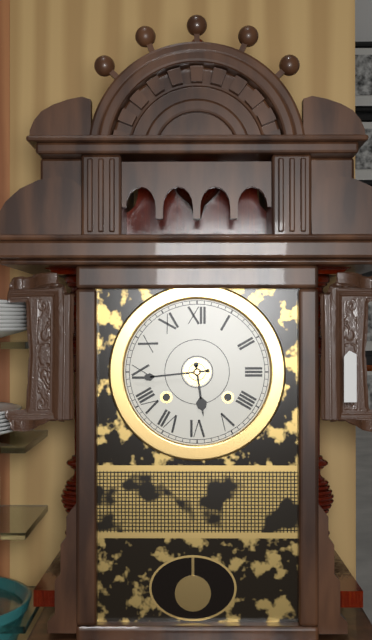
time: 5:44
